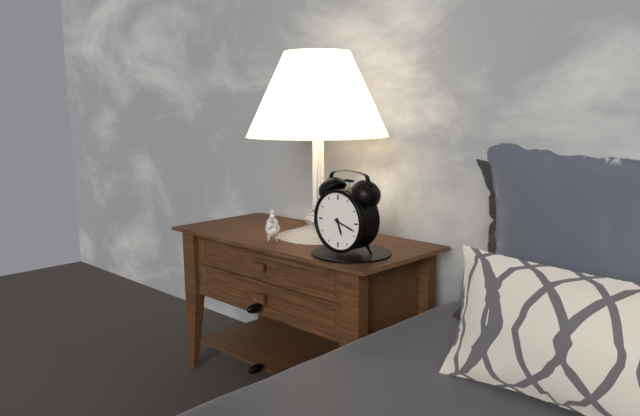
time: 5:18
